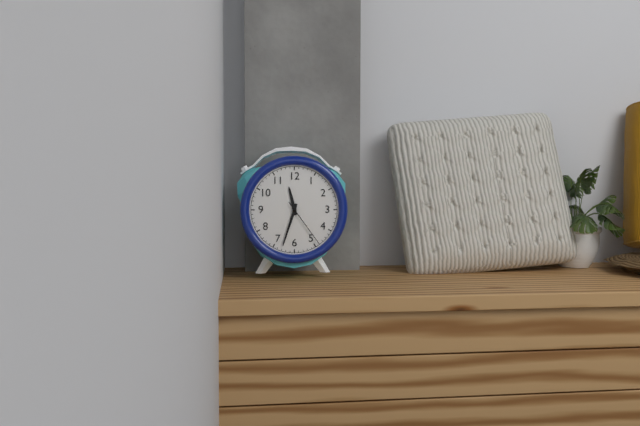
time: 11:33:24
